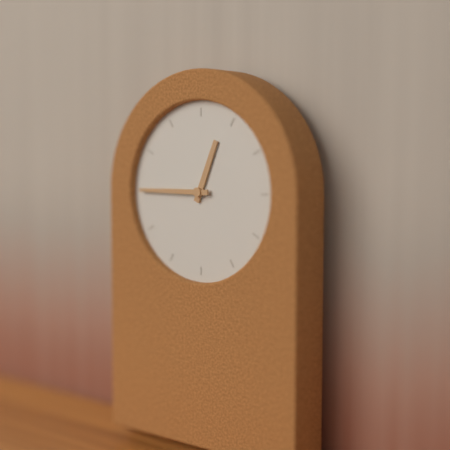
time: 12:45
